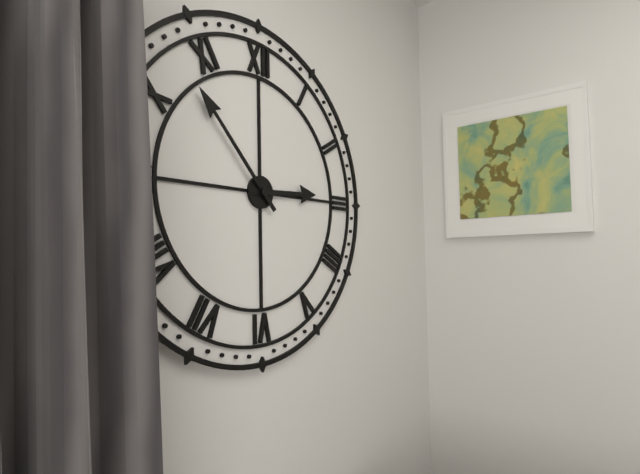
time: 2:53
